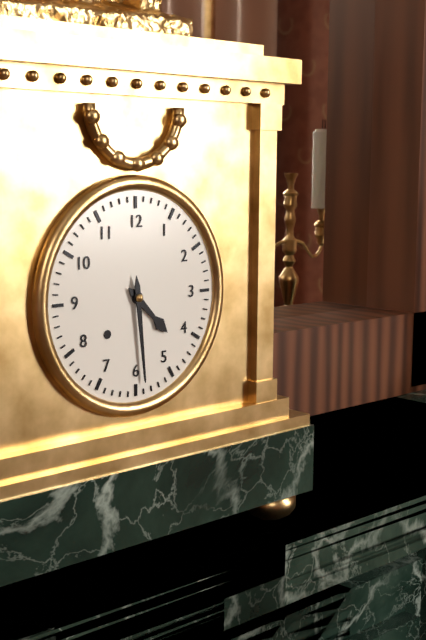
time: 4:29
